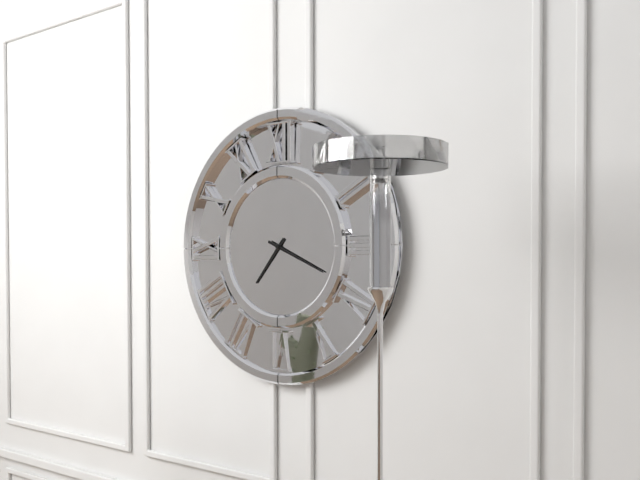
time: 7:19
